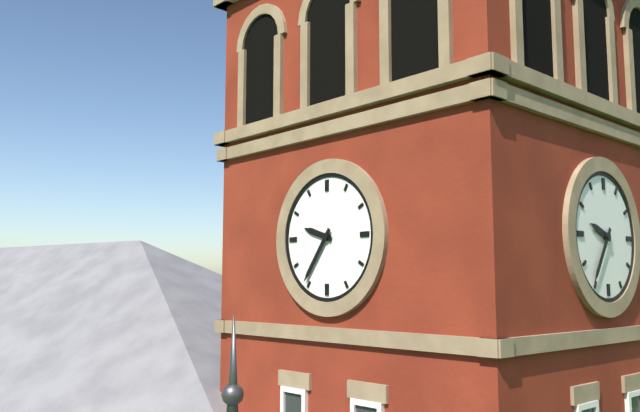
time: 9:36
